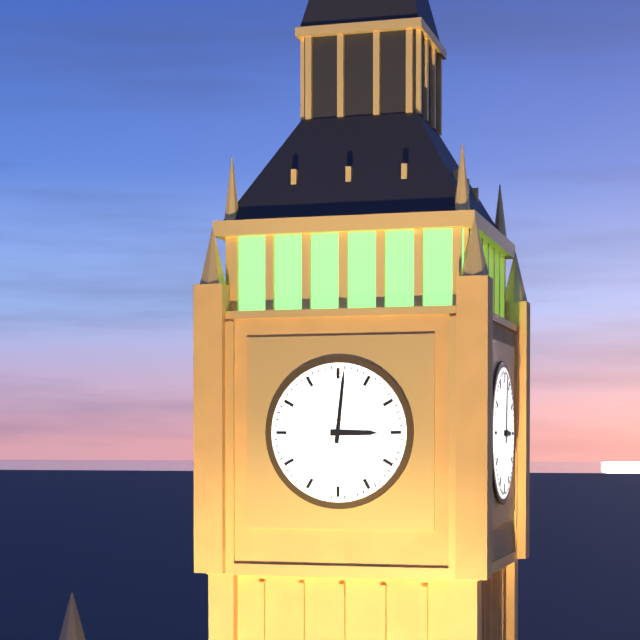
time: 3:01
